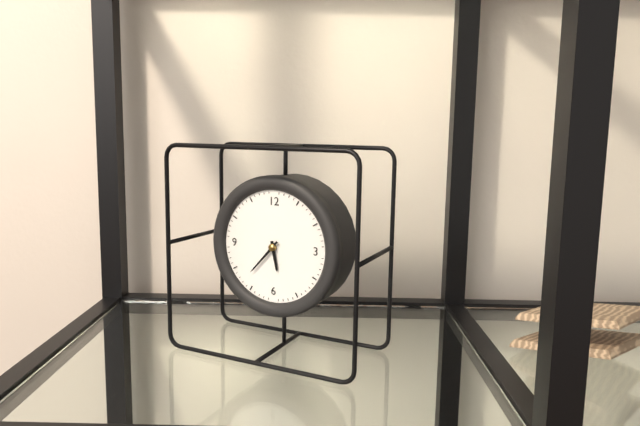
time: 5:37
